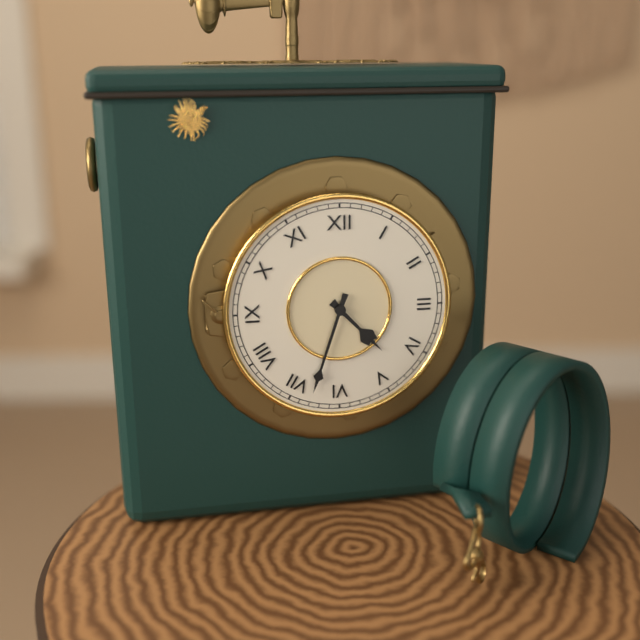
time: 4:33
